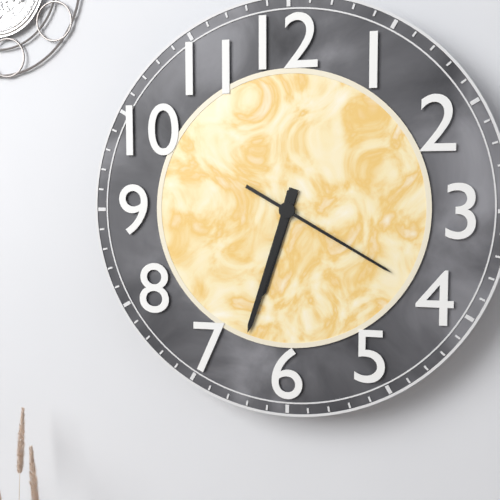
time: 6:33:20
